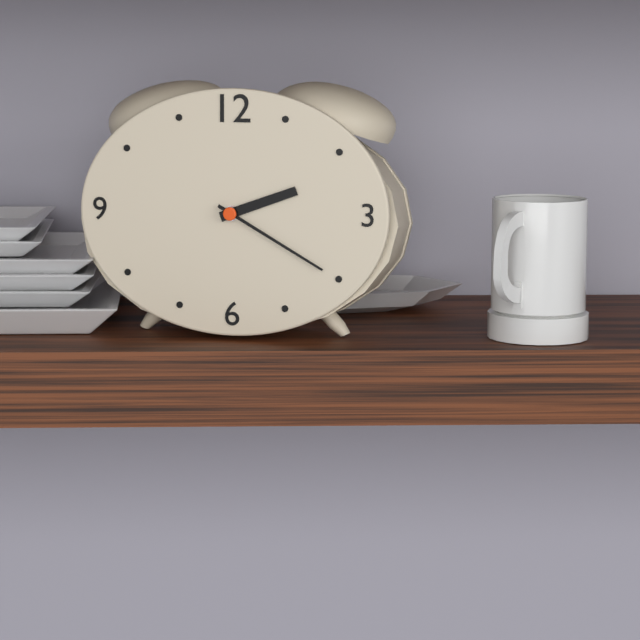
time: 2:20
